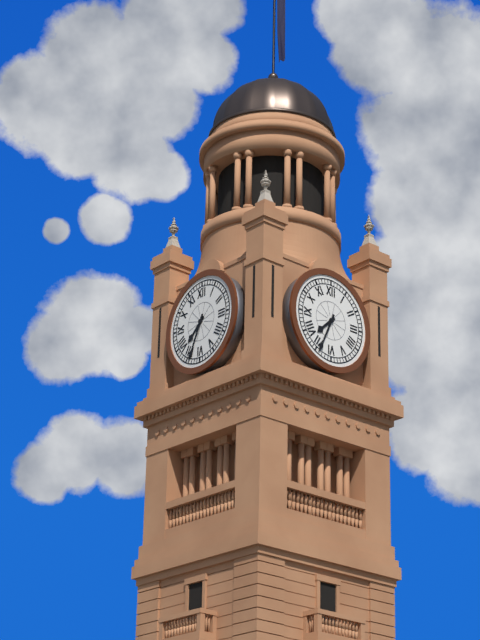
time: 7:34
